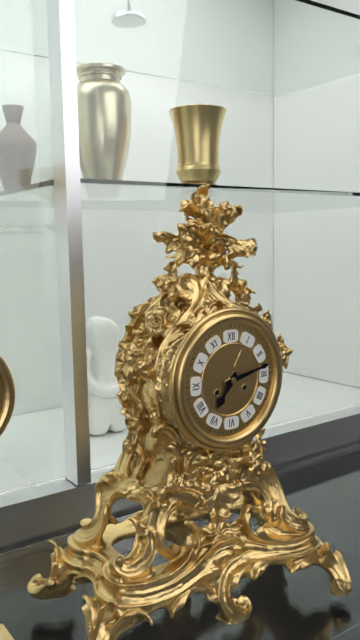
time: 7:13
